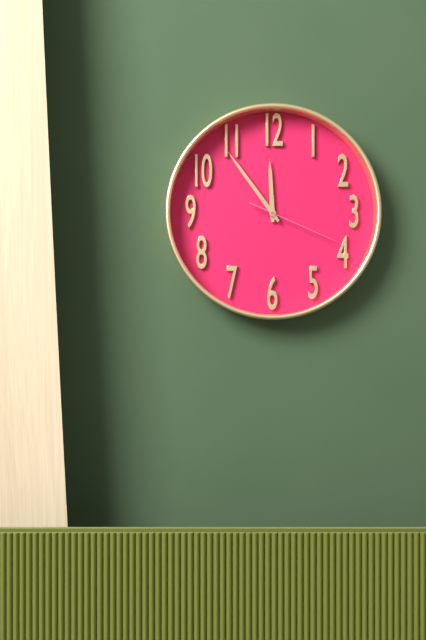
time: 11:54:19
